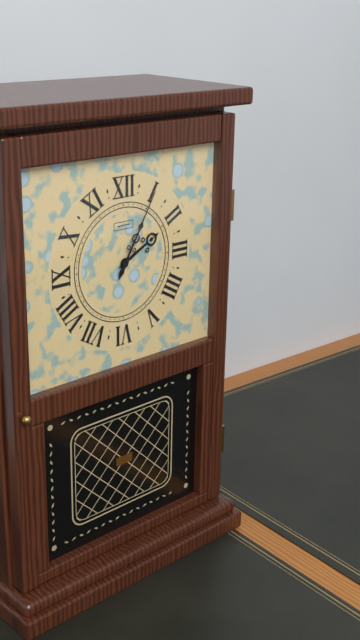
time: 2:05
